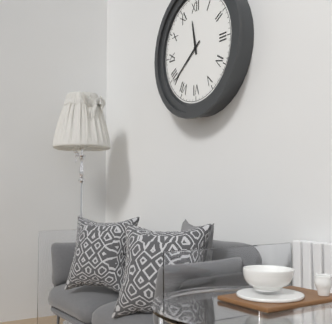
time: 11:39
